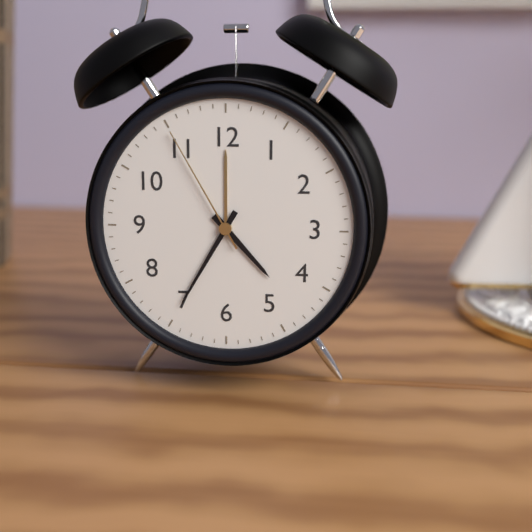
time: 4:35:55
